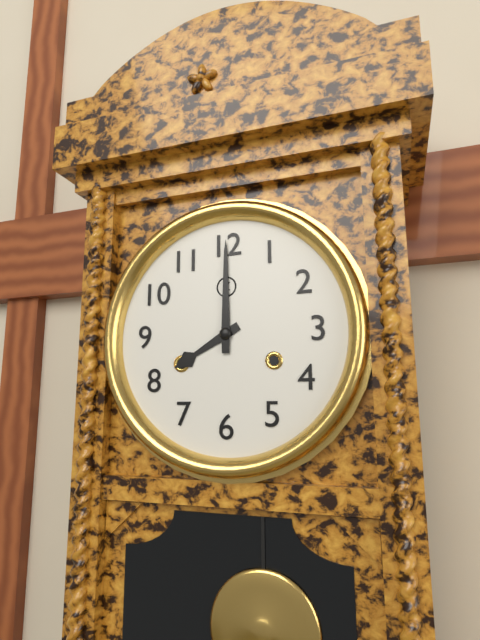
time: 8:00
